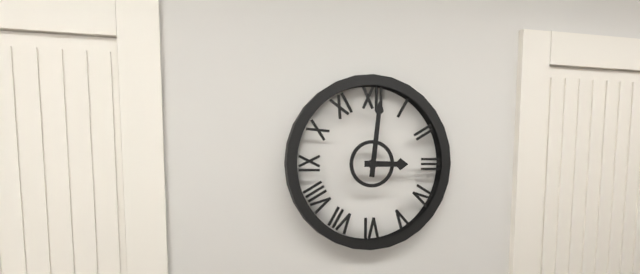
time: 3:01
